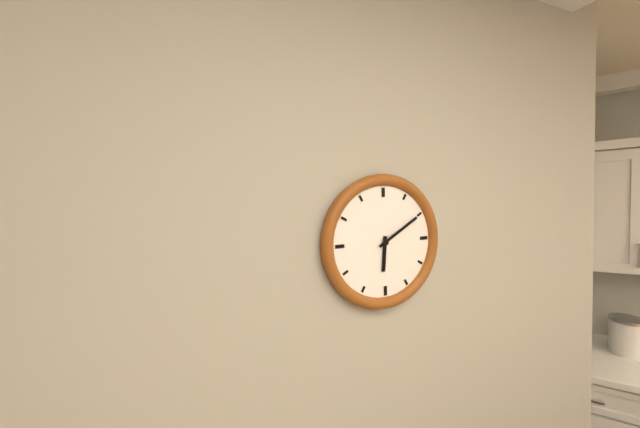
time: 6:10
